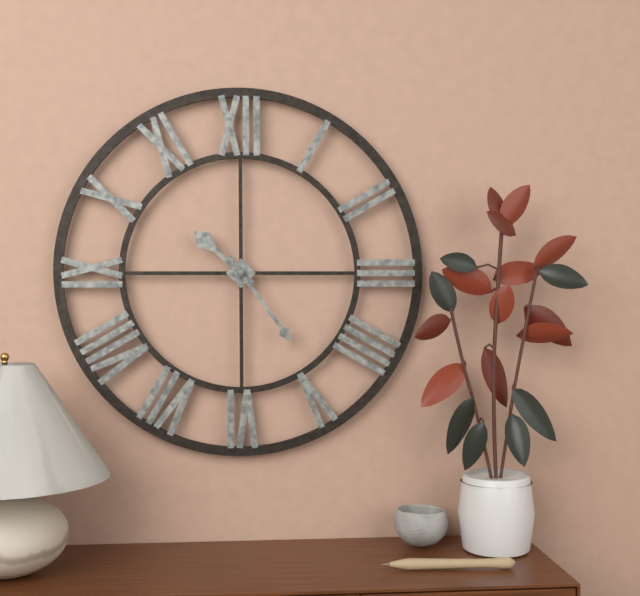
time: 10:24
